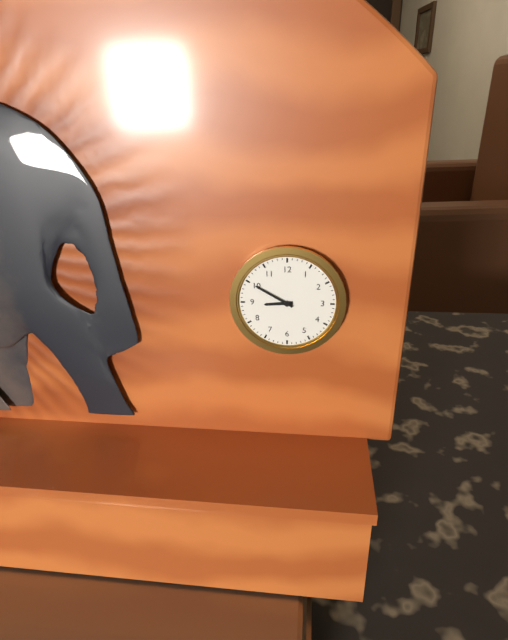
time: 8:50
